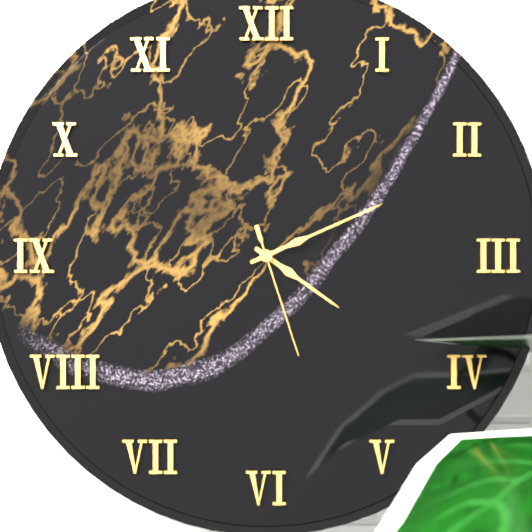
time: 4:11:27
